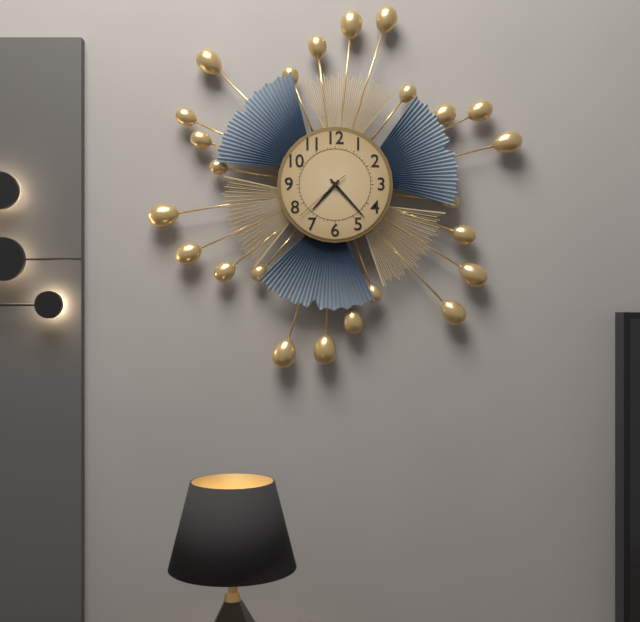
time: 7:23:38
